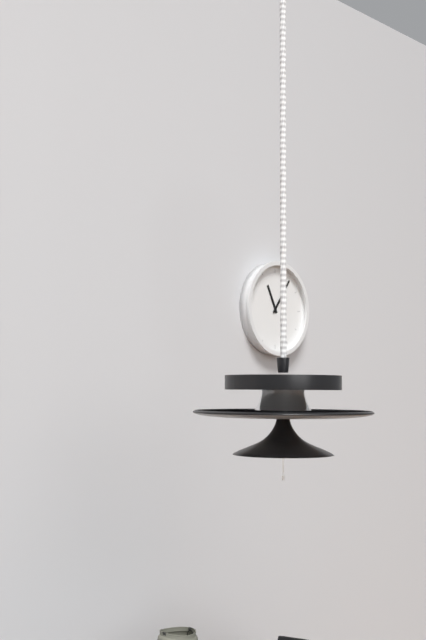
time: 11:06
